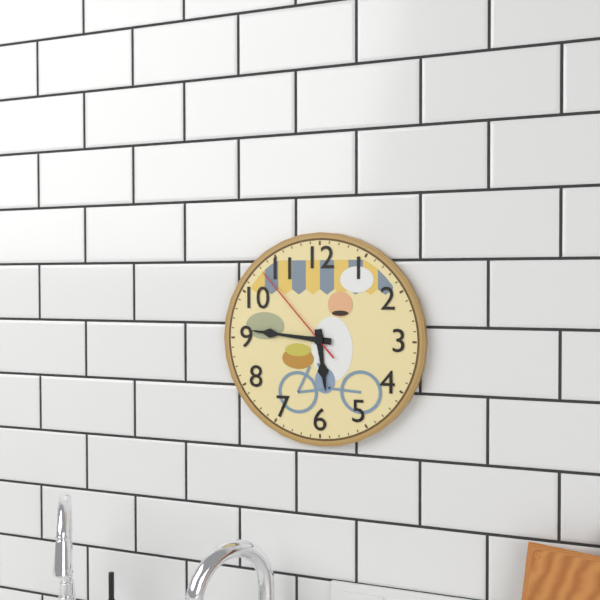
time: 5:46:53
